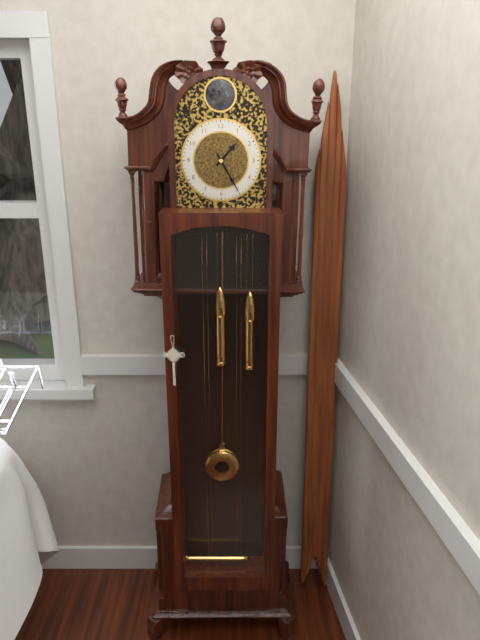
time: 1:25
